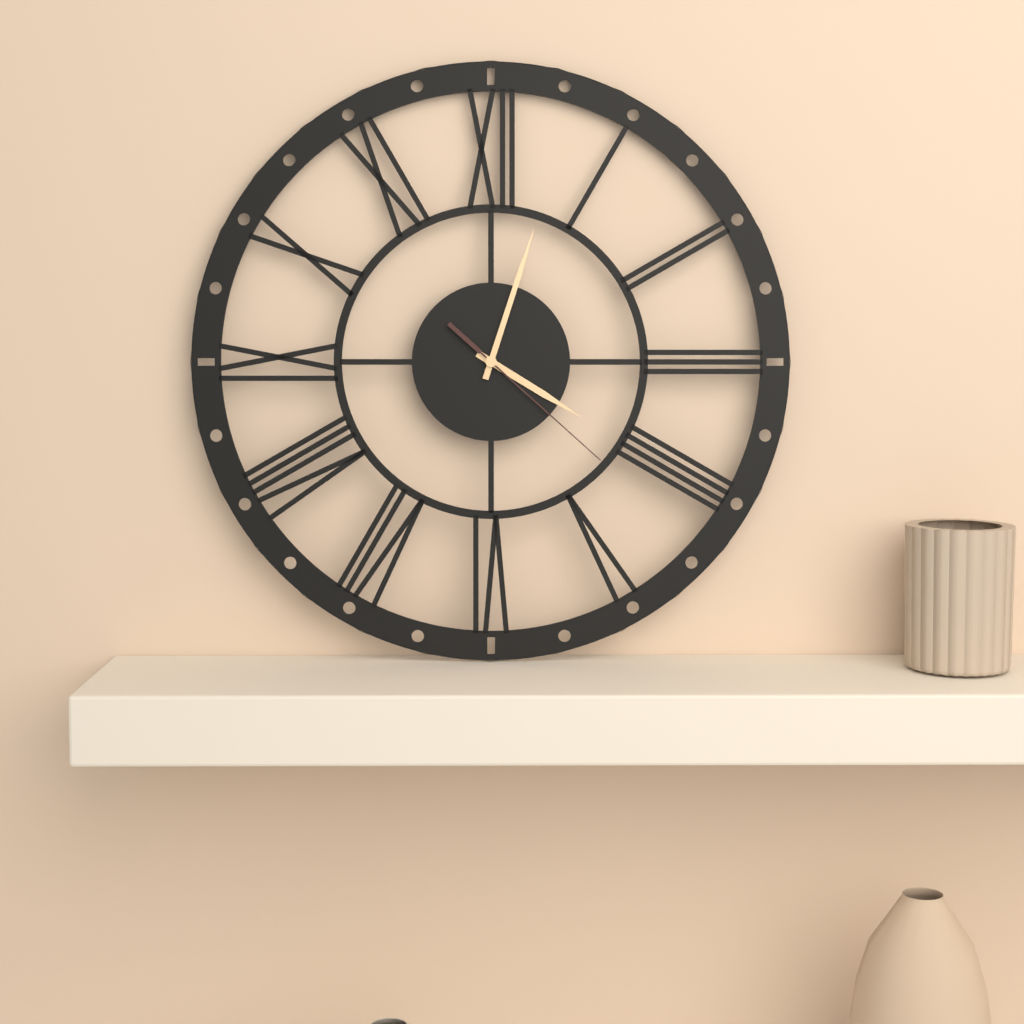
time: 4:03:22
